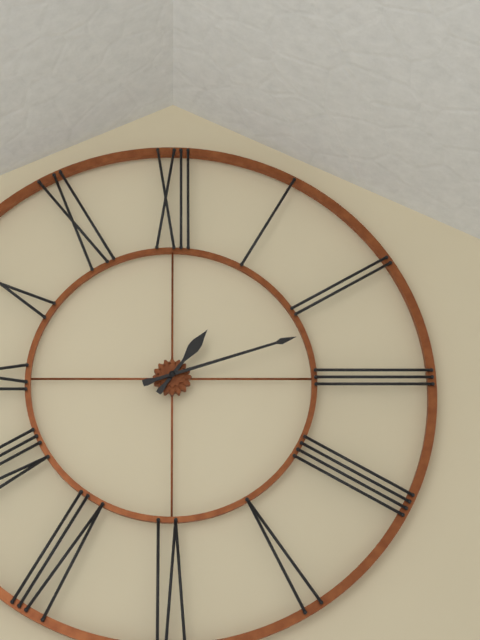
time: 1:12
